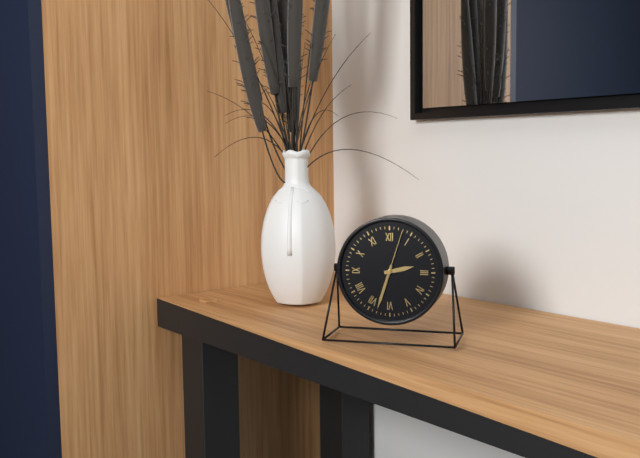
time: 2:33:03
